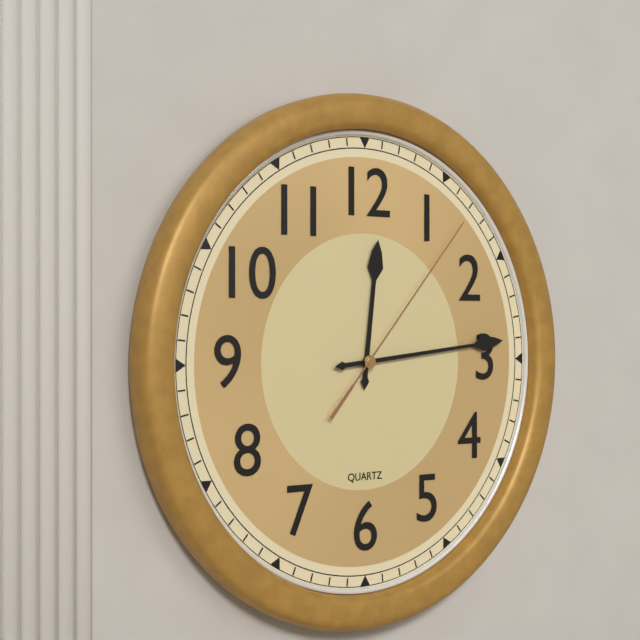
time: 12:14:07
